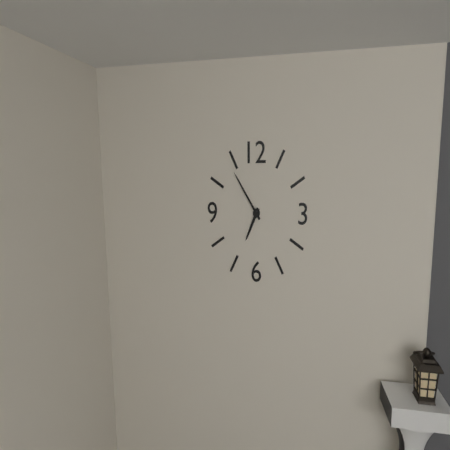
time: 6:54
